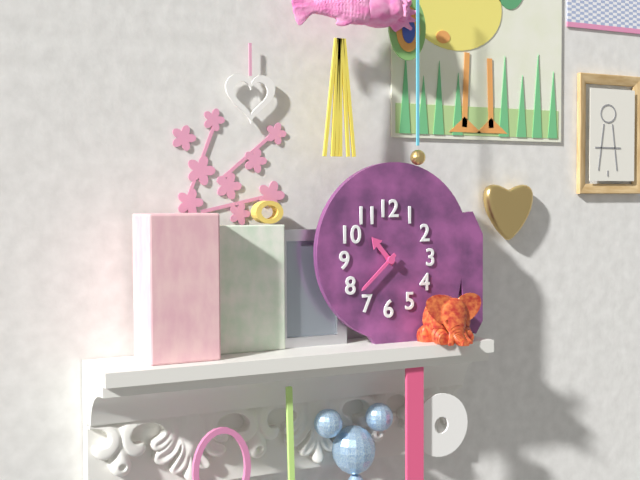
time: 10:38
